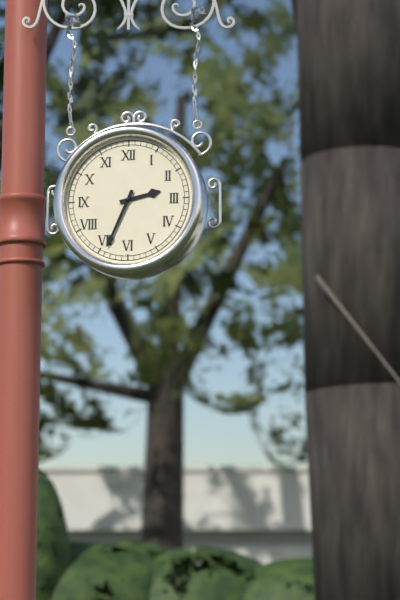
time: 2:34
